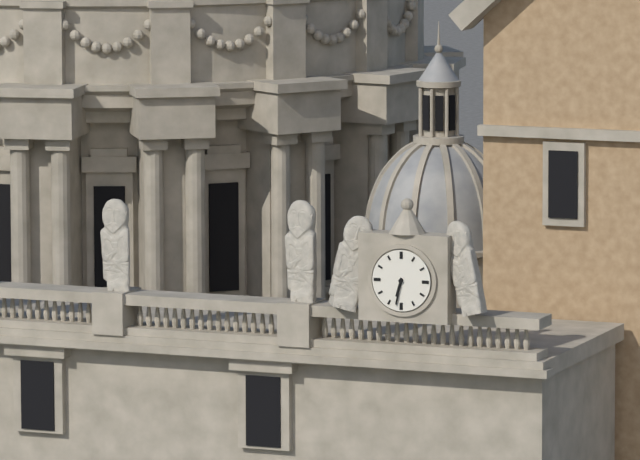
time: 6:32
